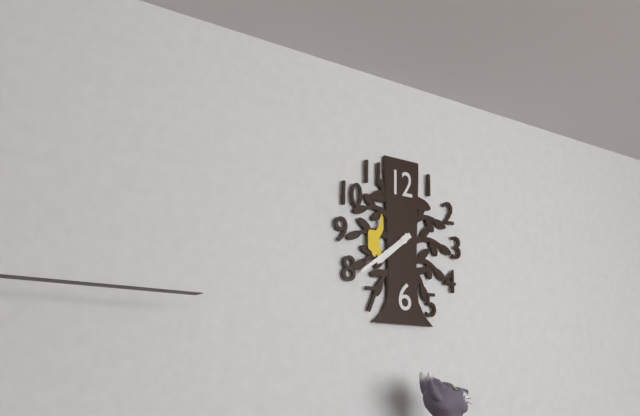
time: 7:39
